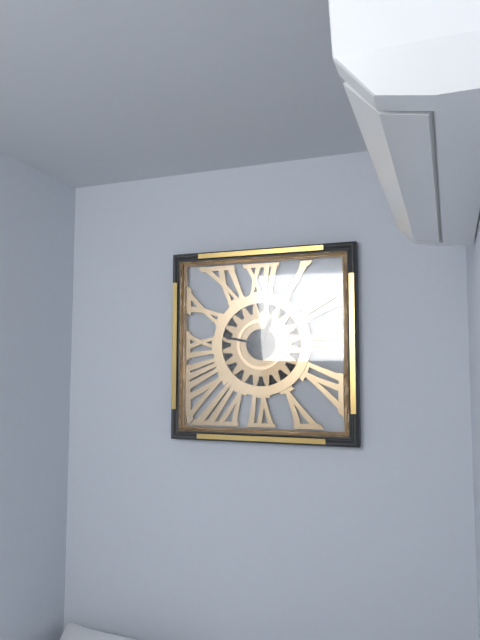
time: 12:47
